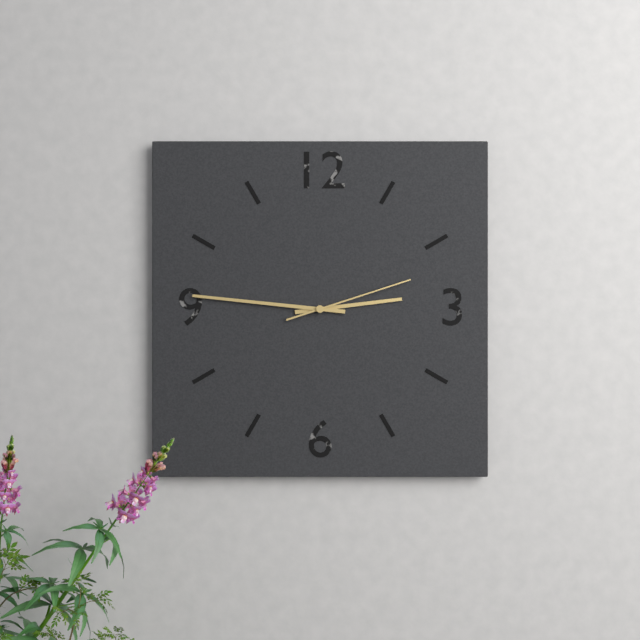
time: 2:46:12
